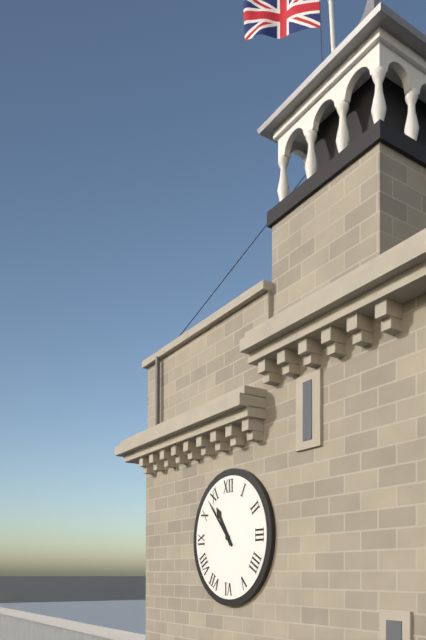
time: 10:53
